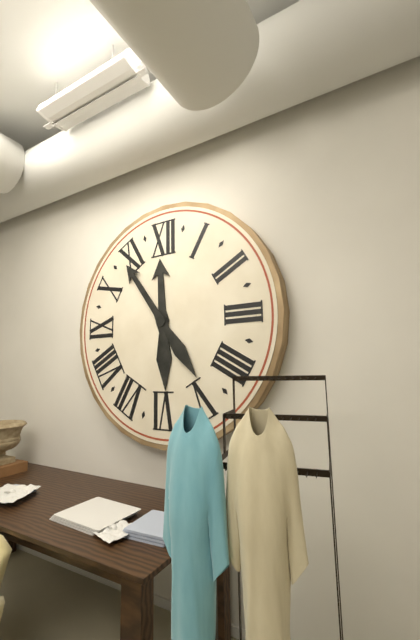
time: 11:54
